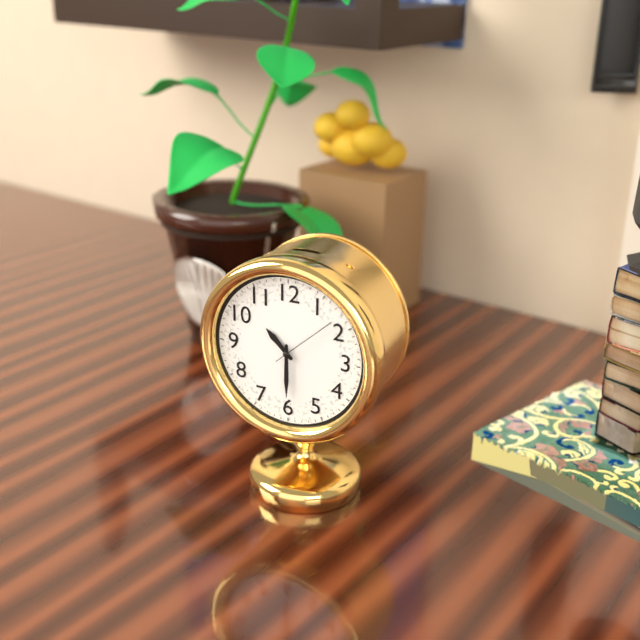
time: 10:30:08
